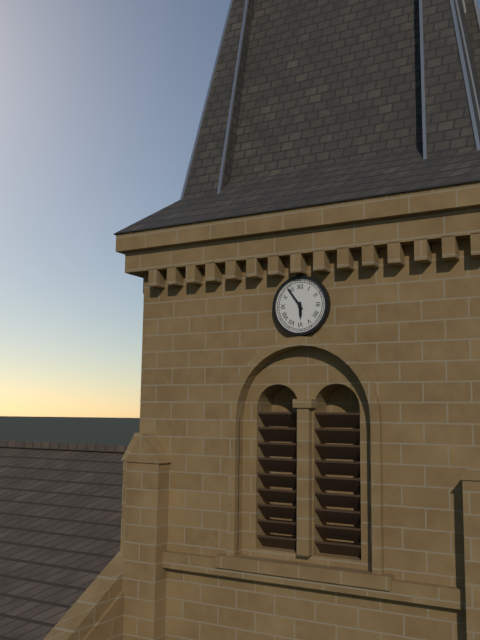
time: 5:54
